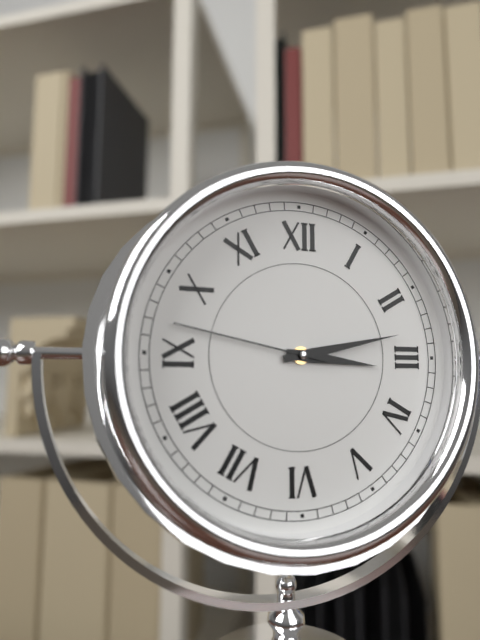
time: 3:13:47
